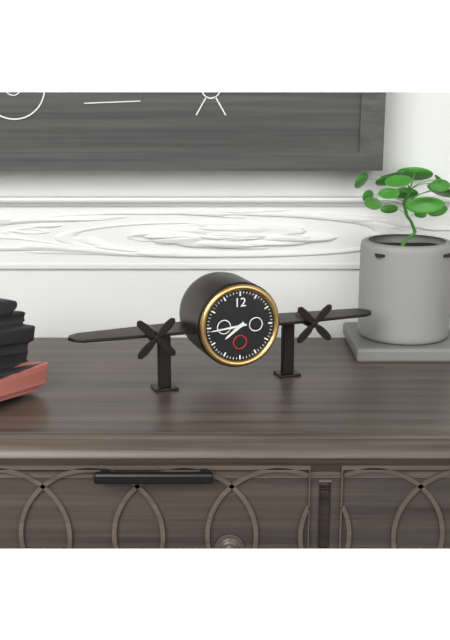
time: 7:44
